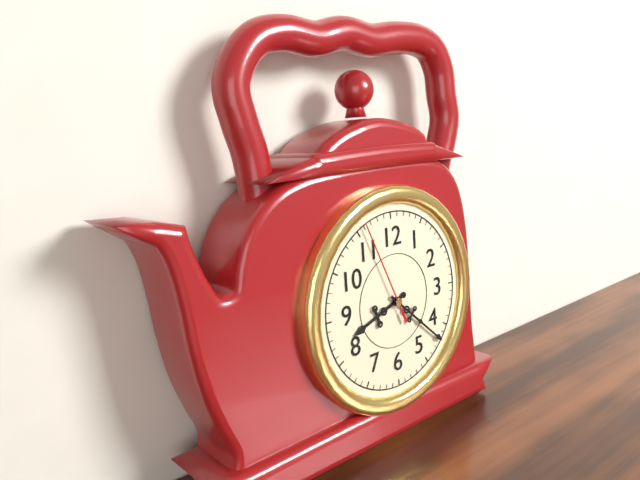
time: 8:22:56
